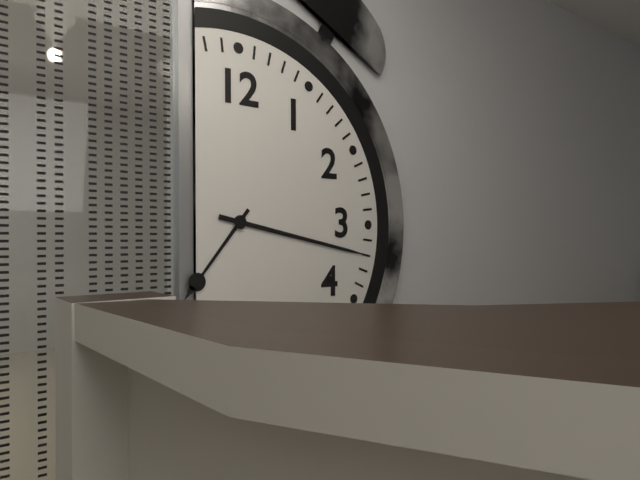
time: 7:17
